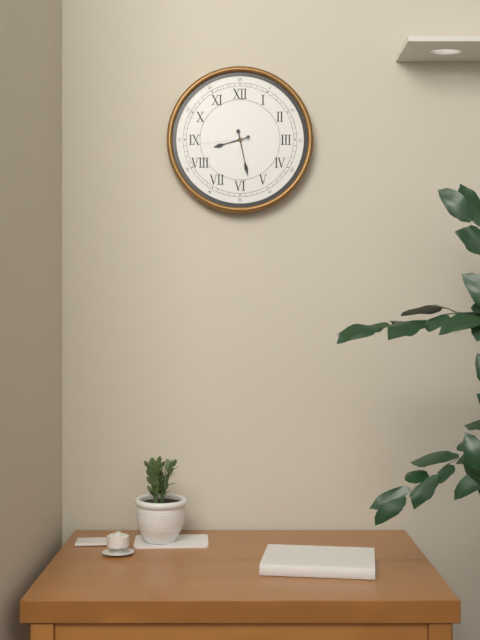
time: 8:28:44
